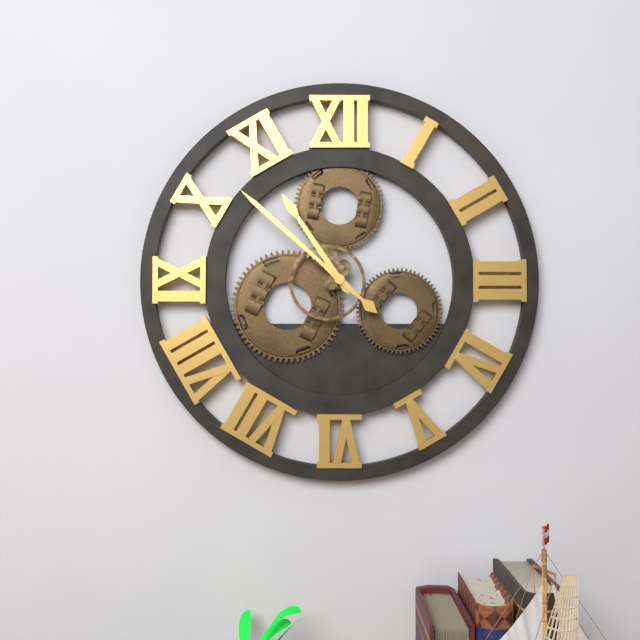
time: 10:52
